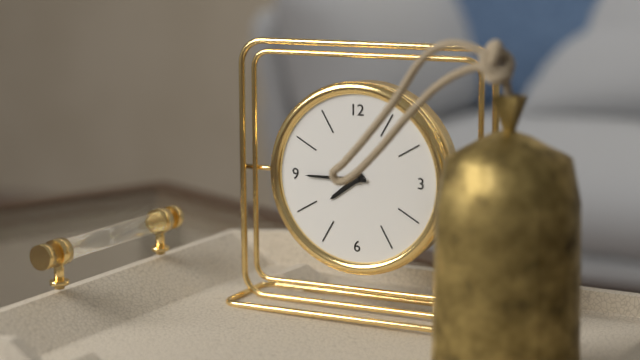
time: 7:45
